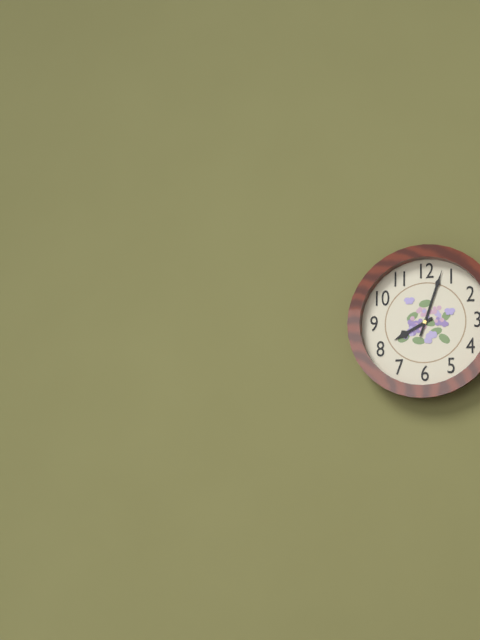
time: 8:03
